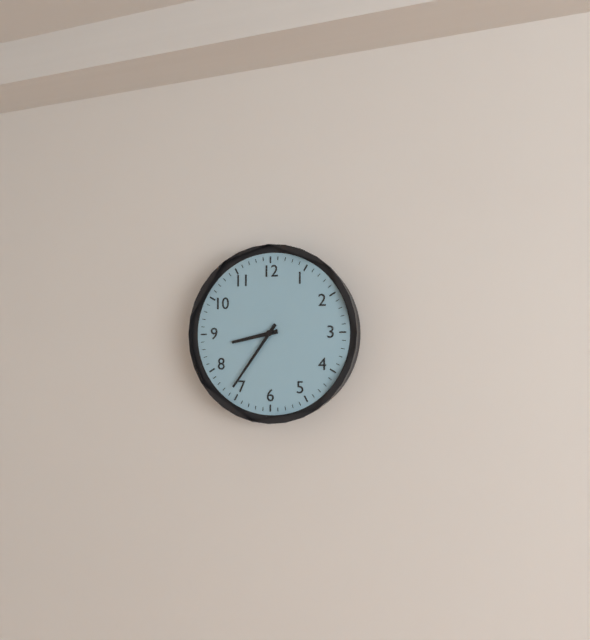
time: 8:36
